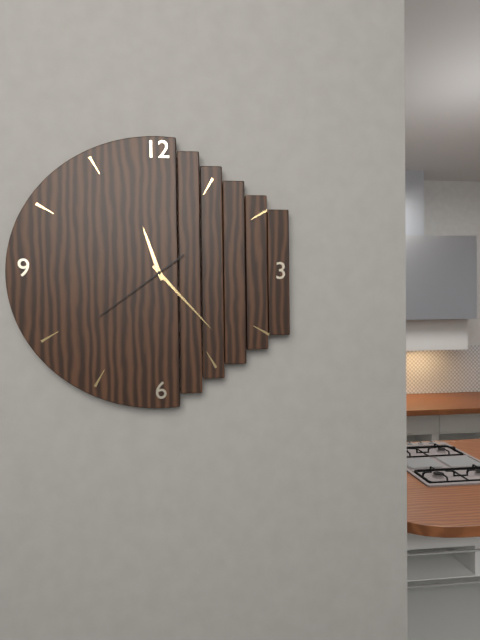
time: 11:23:39
